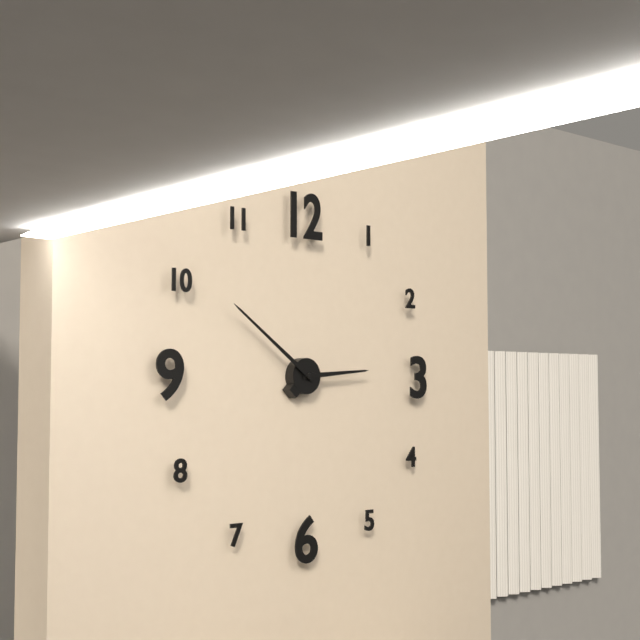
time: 2:51
